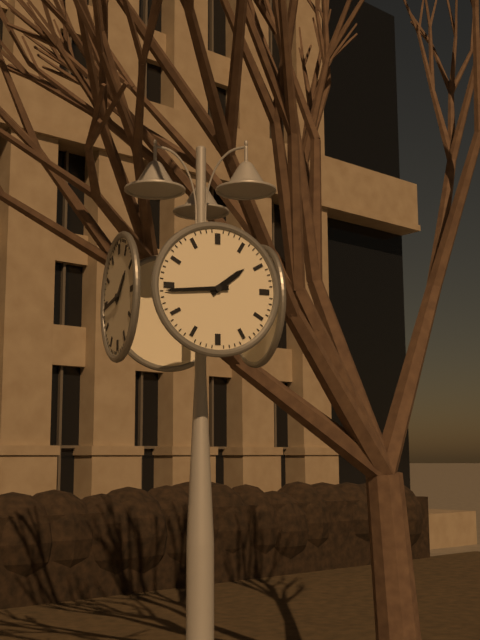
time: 1:44
